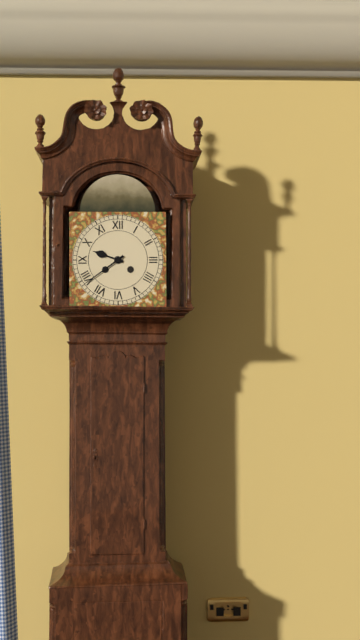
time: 9:39
